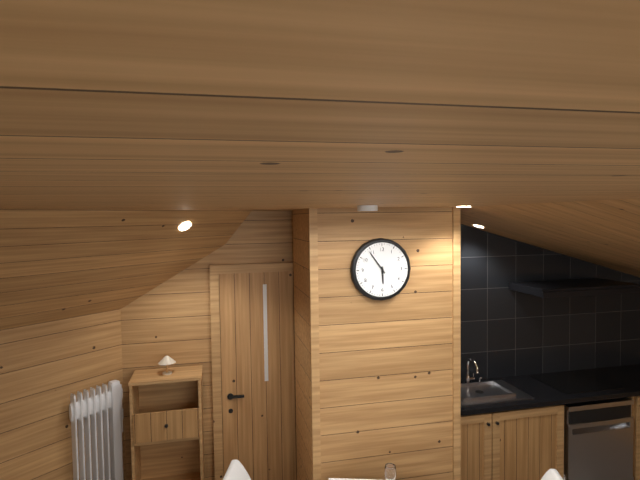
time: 5:54
